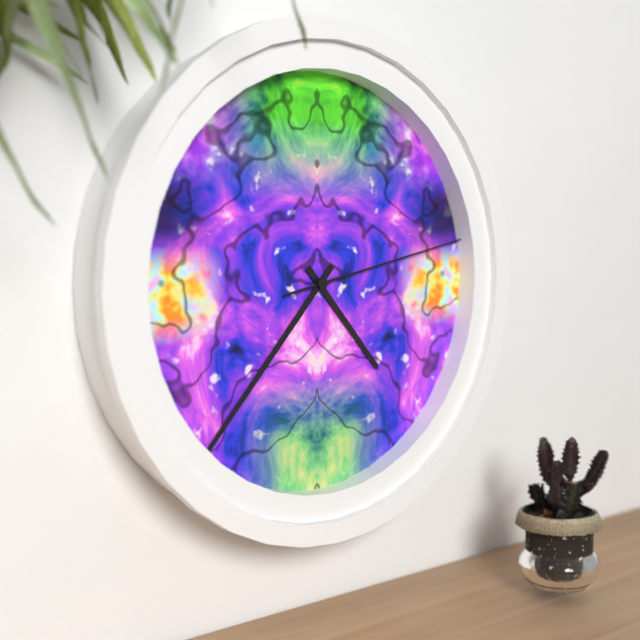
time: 4:37:13
